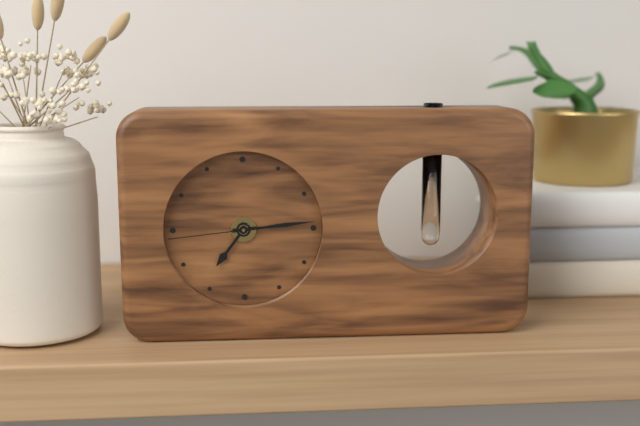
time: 7:14:44
